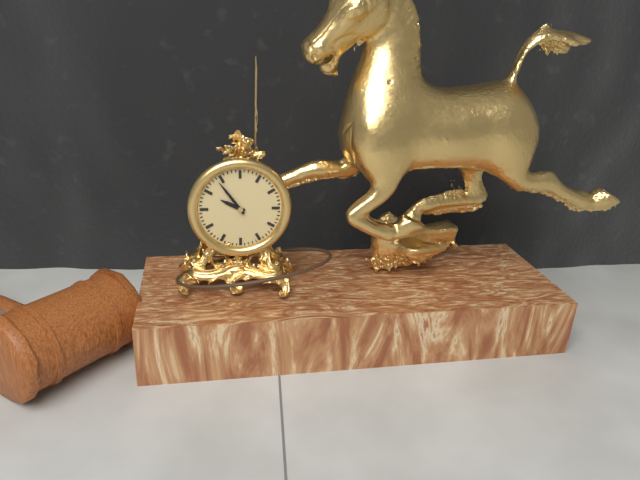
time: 9:54
